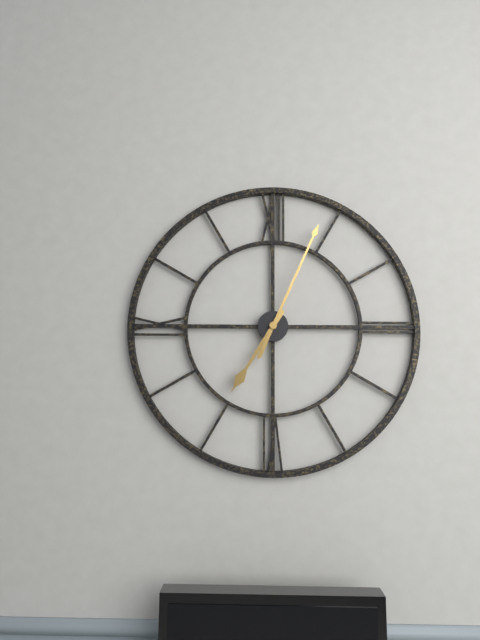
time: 7:04
